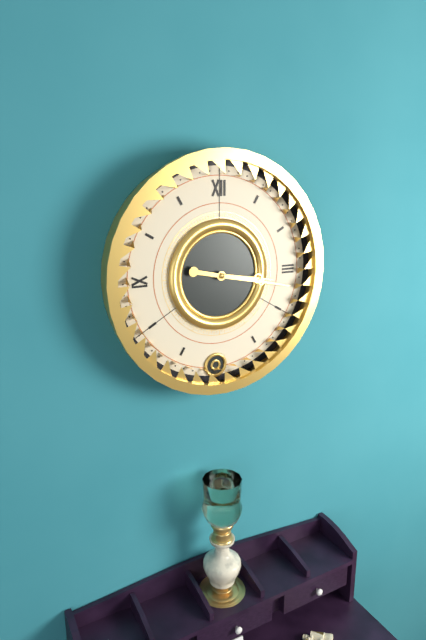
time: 3:17
